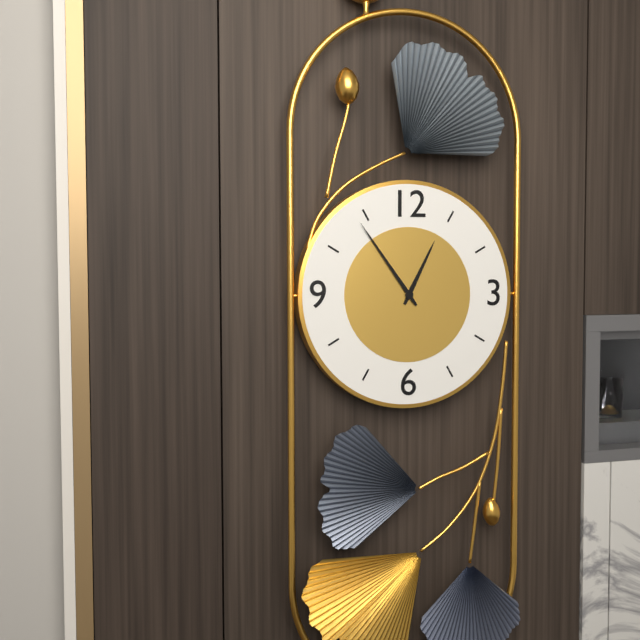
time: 12:54
